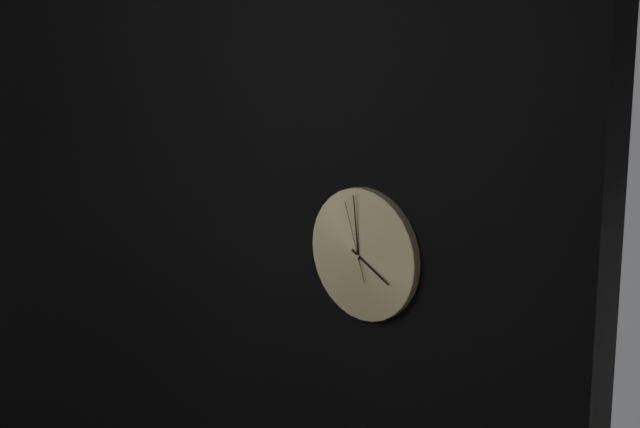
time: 3:59:57
